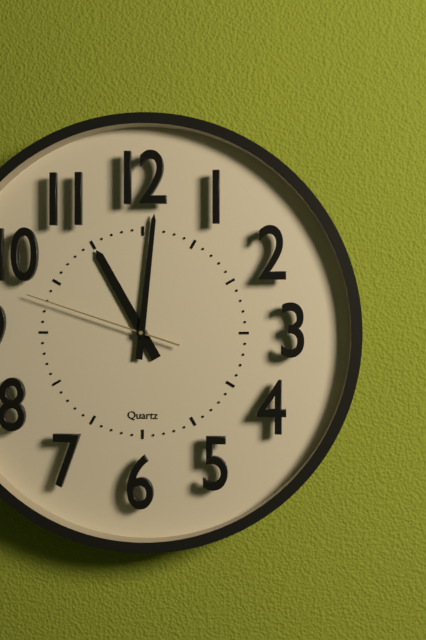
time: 11:01:48
